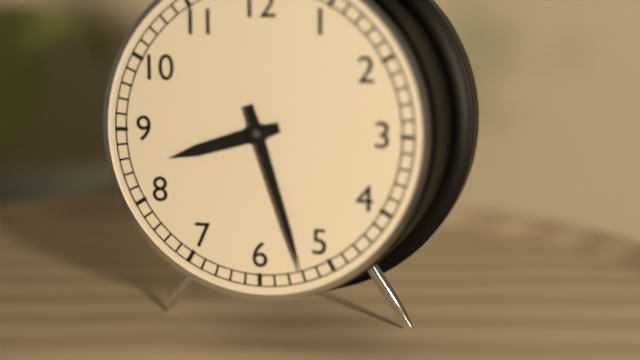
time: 8:27
